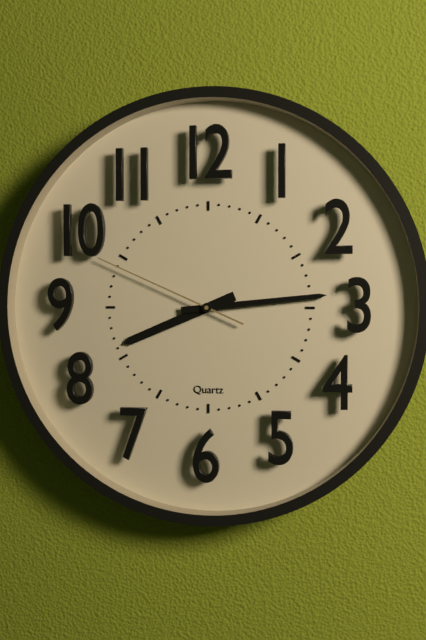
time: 8:14:49
